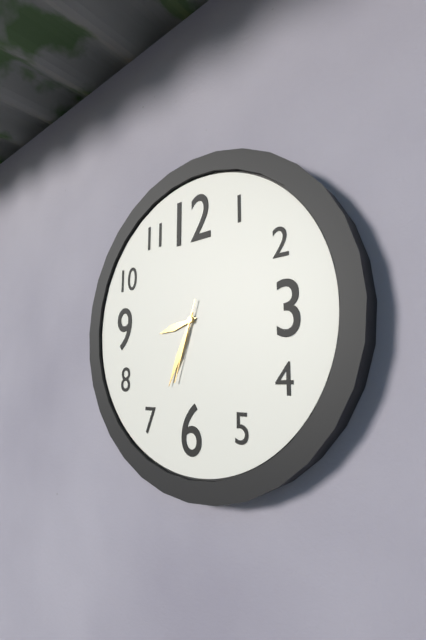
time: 8:34:33
